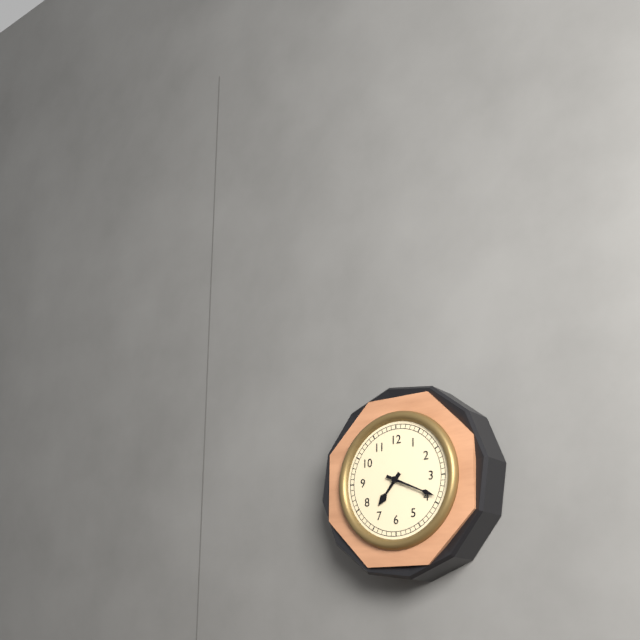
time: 7:19
